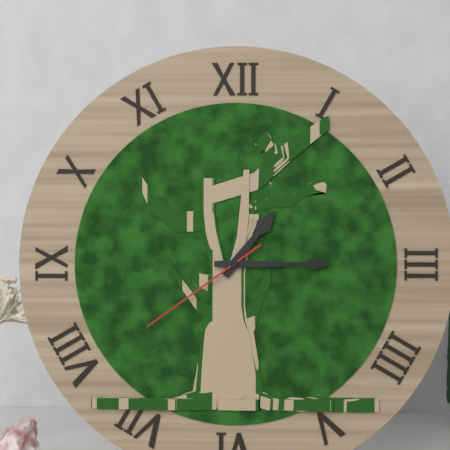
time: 1:15:39
